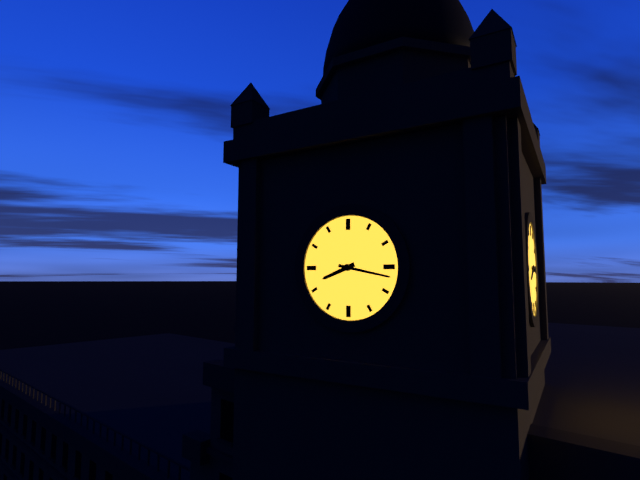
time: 8:17
